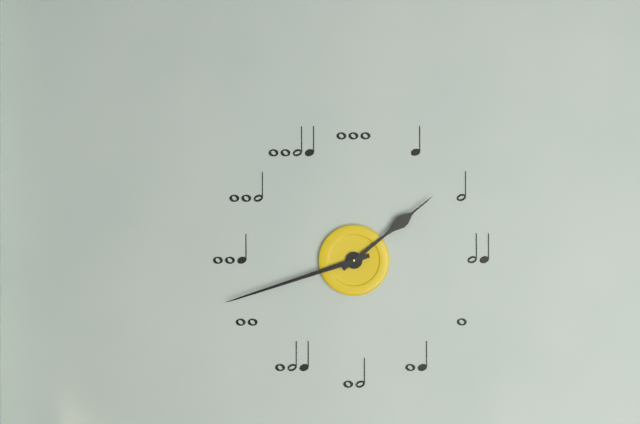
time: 1:42
